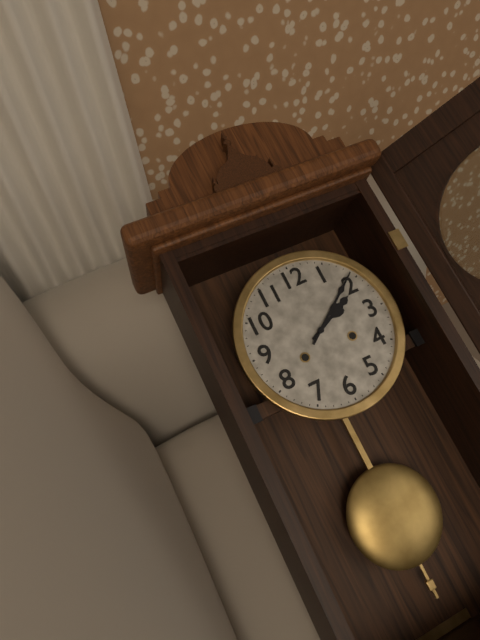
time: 2:09
